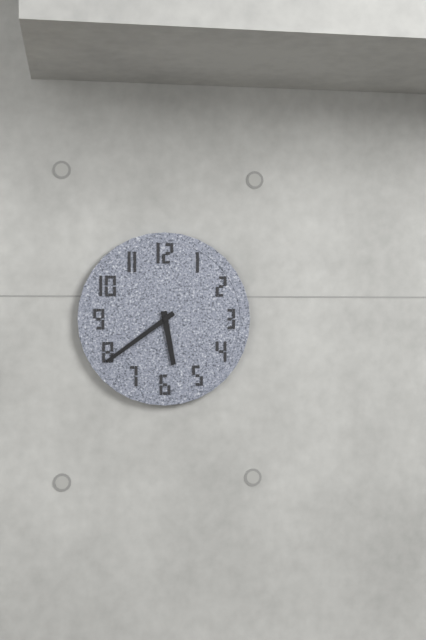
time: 5:39
